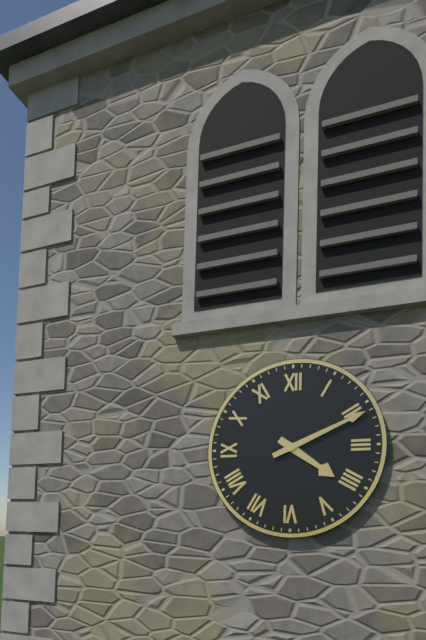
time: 4:11
